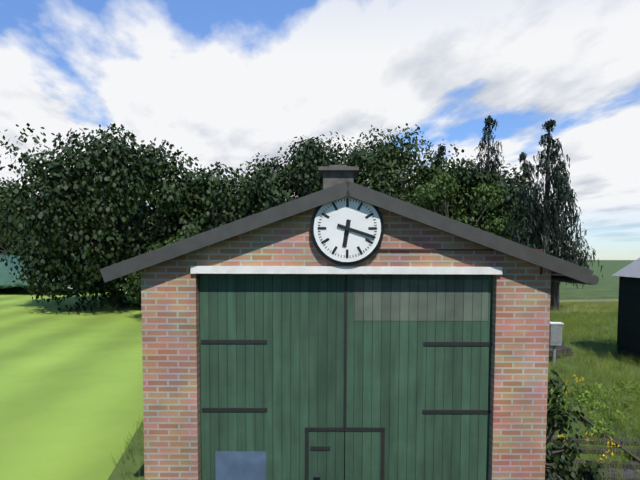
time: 6:18
